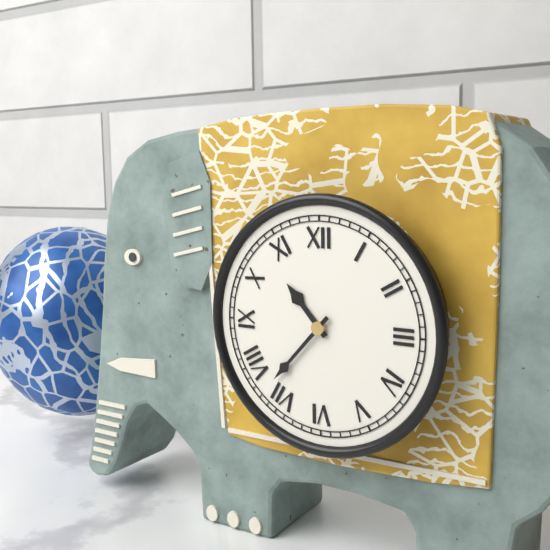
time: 10:37
